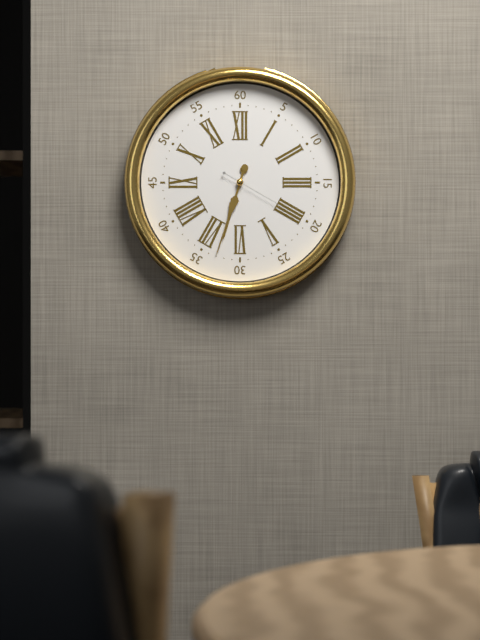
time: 6:33:20
